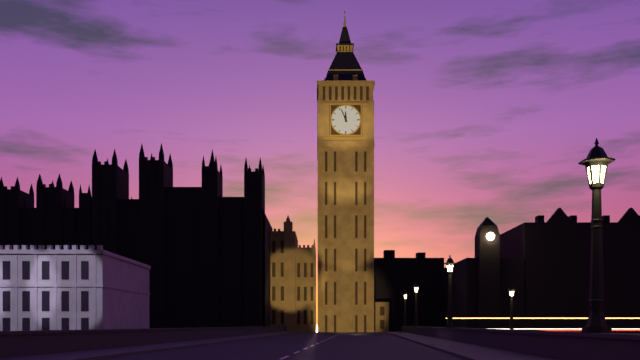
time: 11:56
